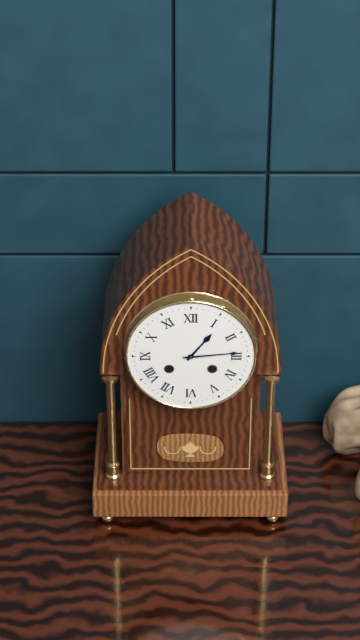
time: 1:14
